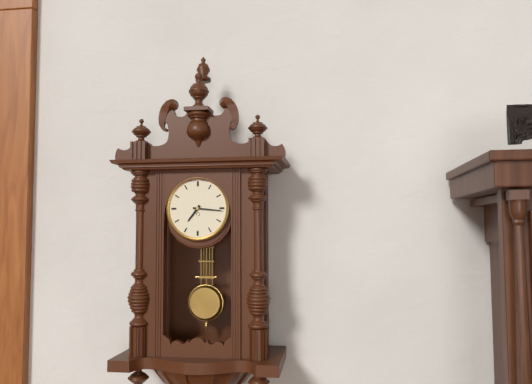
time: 7:16
